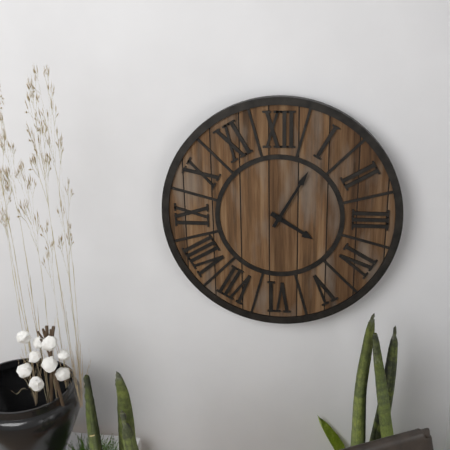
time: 4:05
